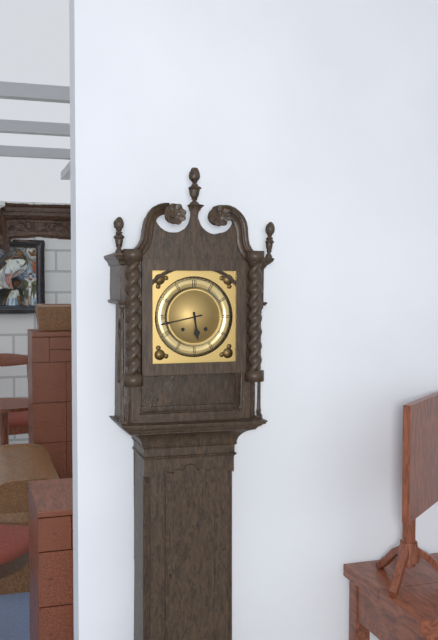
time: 5:43
